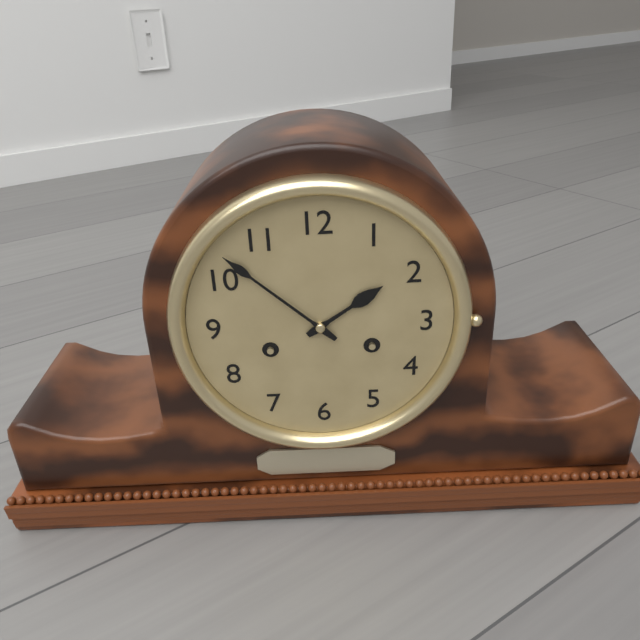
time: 1:52
